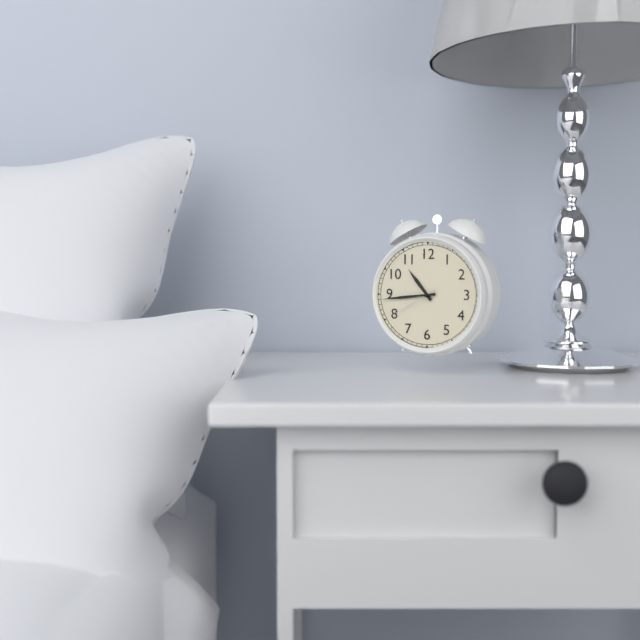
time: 10:44:40
